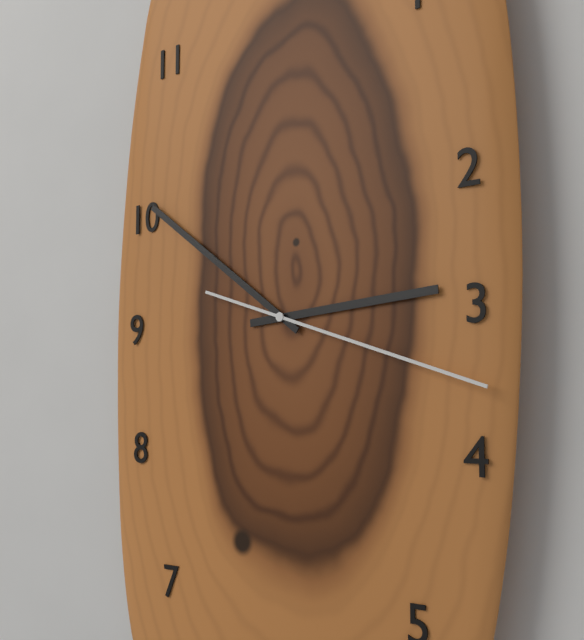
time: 2:51:18
